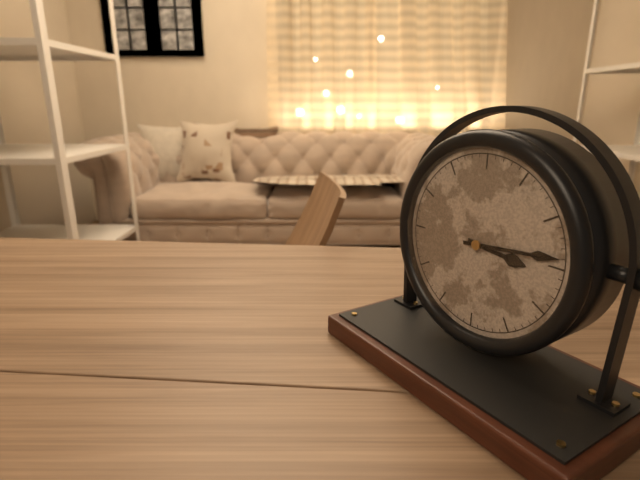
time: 3:14
